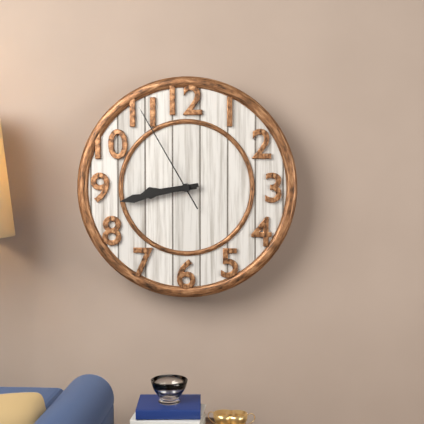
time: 8:43:55
